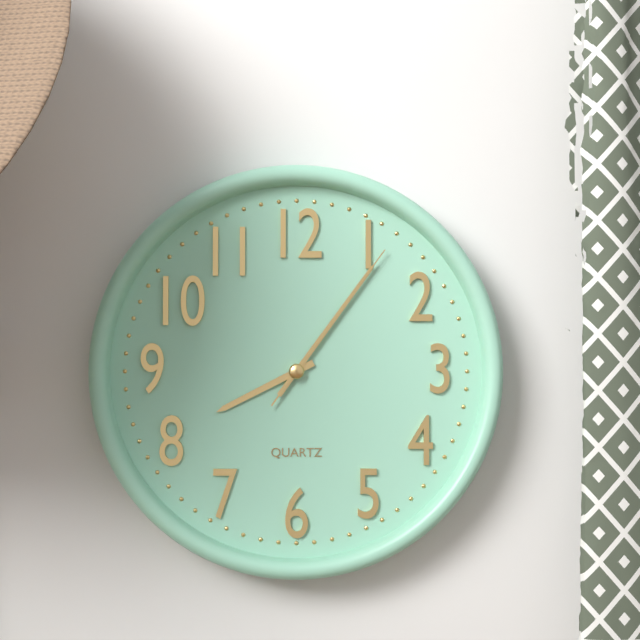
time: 8:06:06
